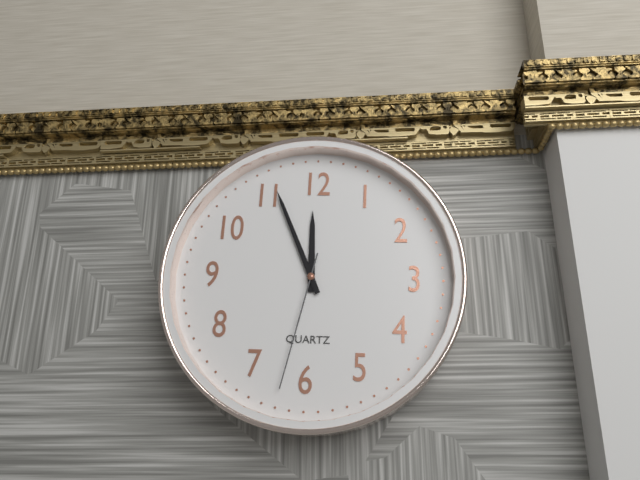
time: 11:56:32
